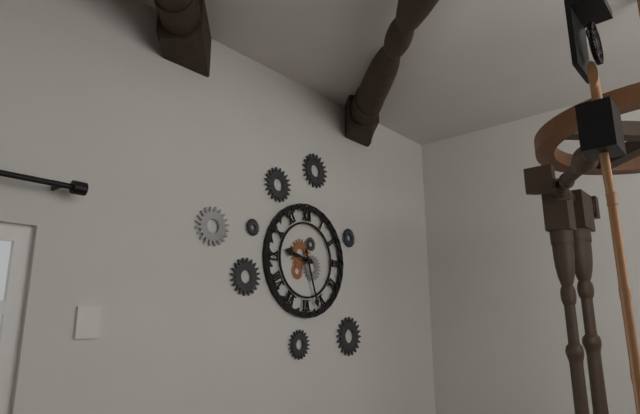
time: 9:27
